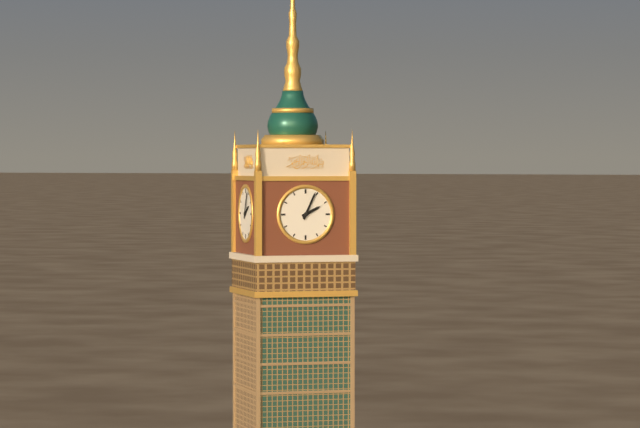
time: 2:04
